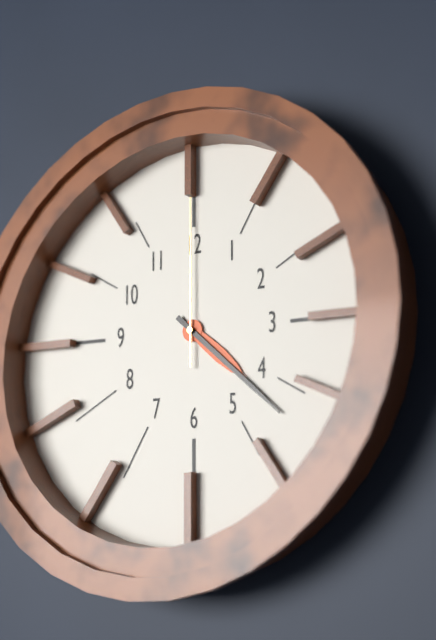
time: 4:22:00
